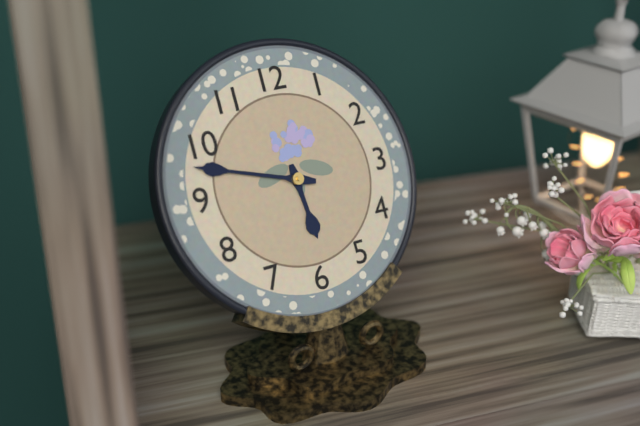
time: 5:48
